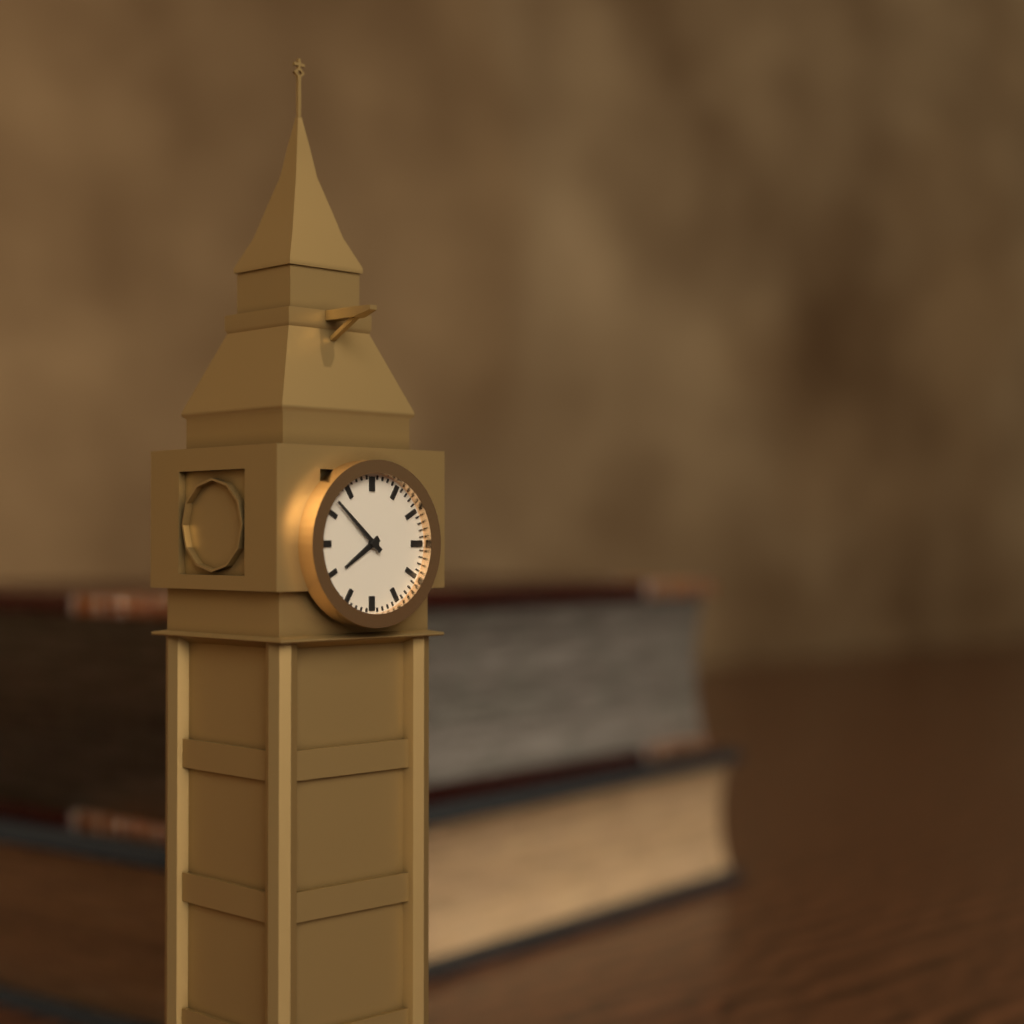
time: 7:52
